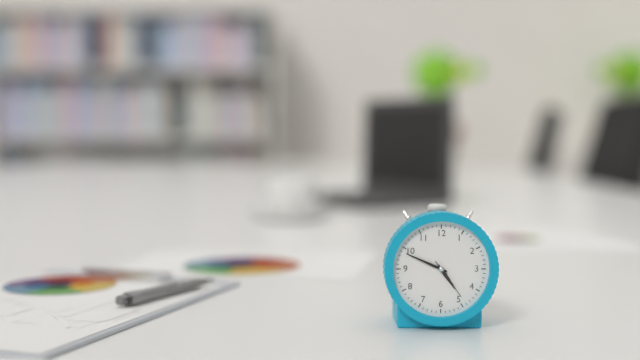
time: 4:49
